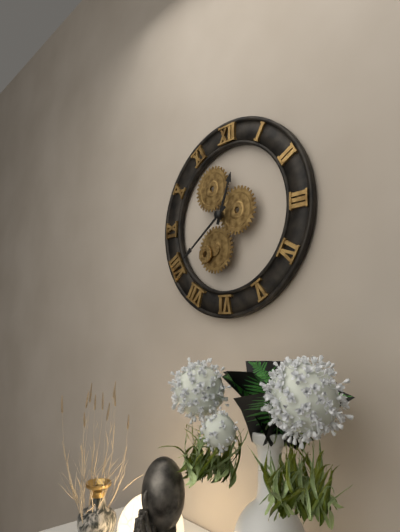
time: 12:39
